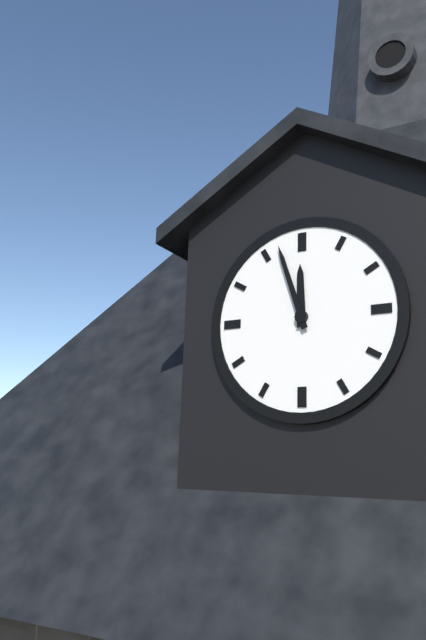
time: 11:57
